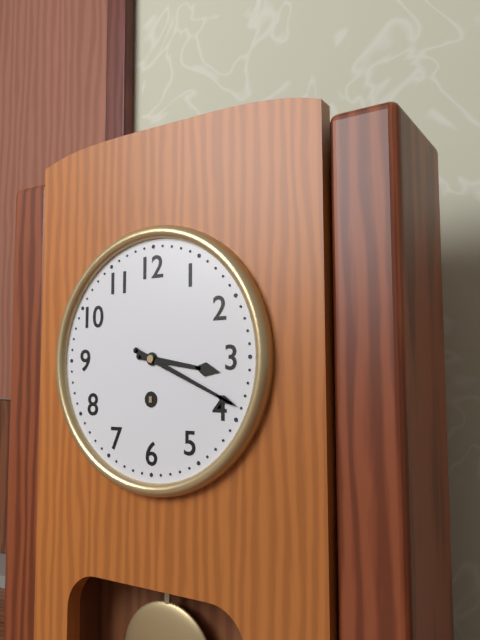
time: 3:19
